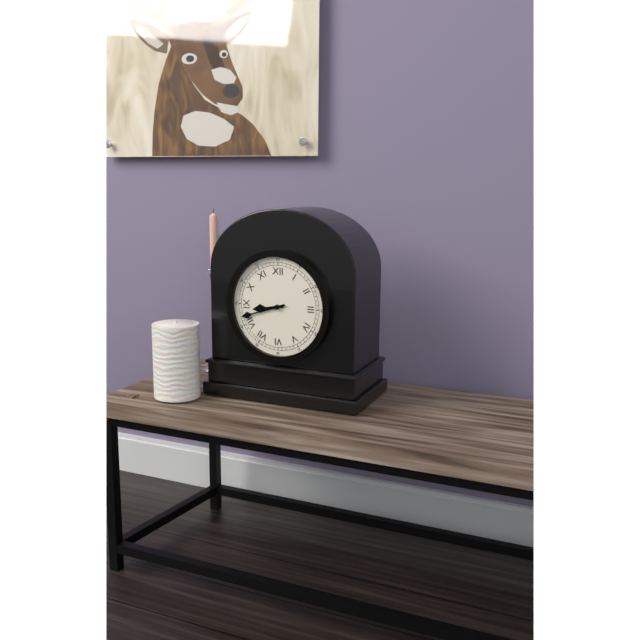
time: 8:42
